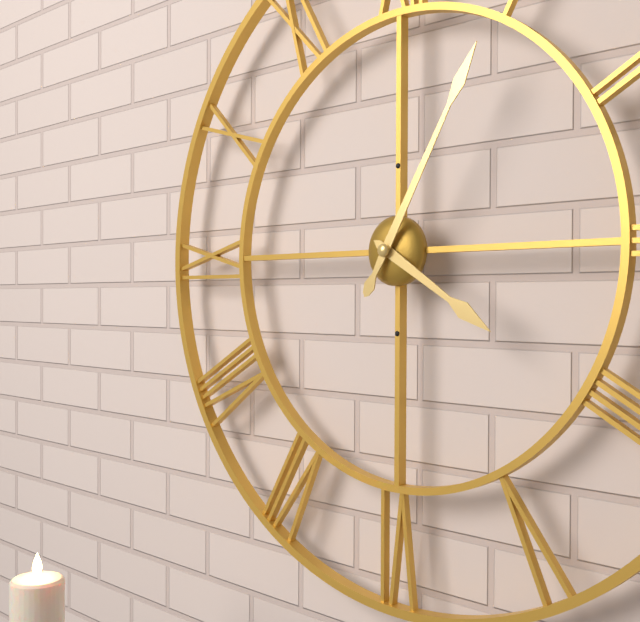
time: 4:05
